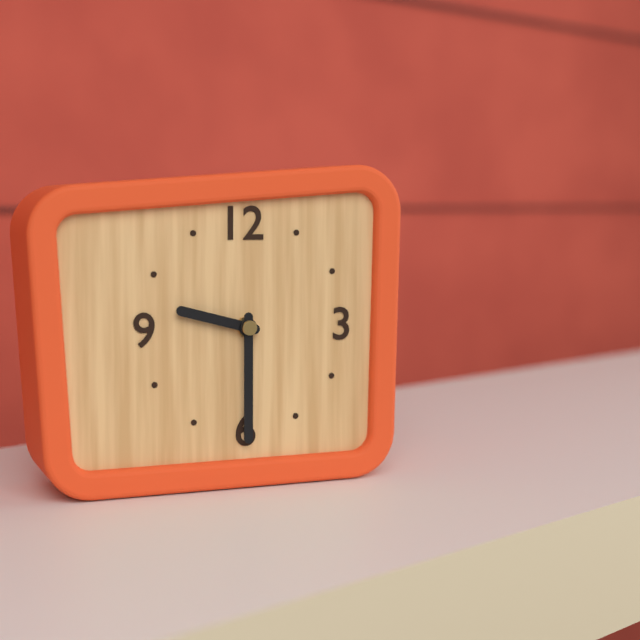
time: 9:30
